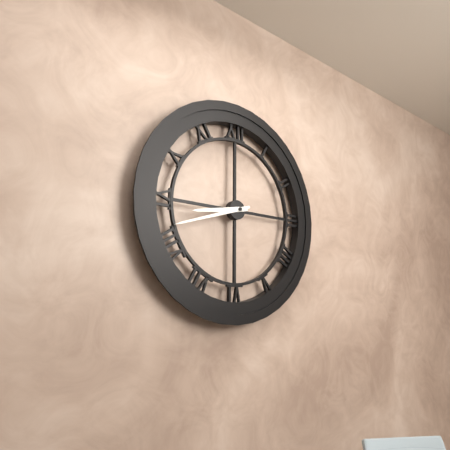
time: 8:42
